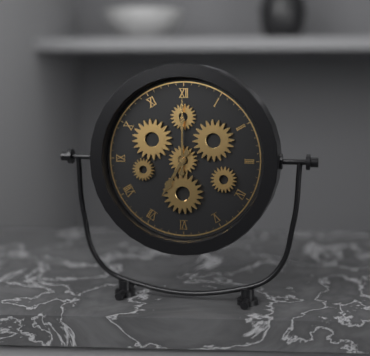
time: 7:00
